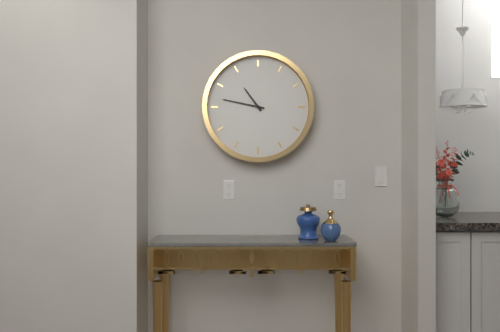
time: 10:47
